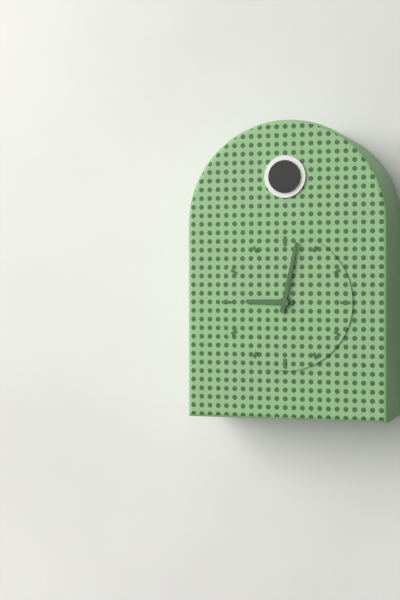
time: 9:02
